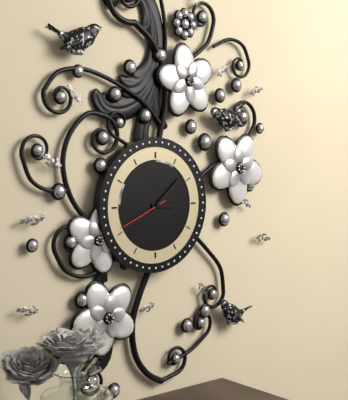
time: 3:08
